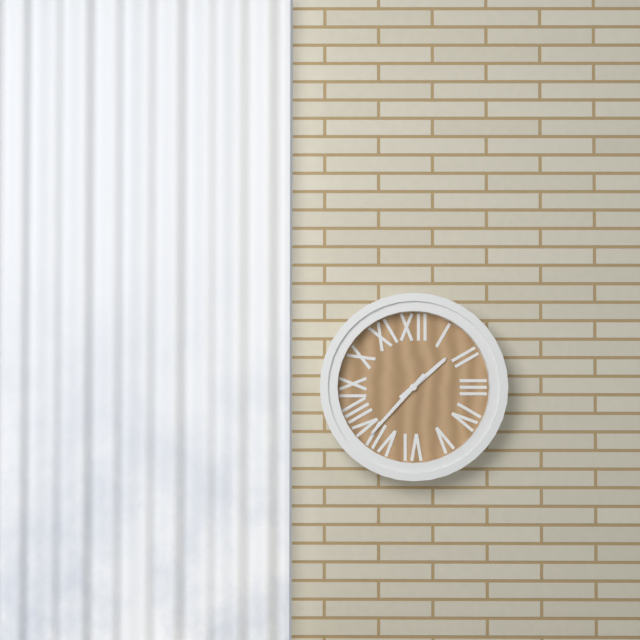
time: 1:37
